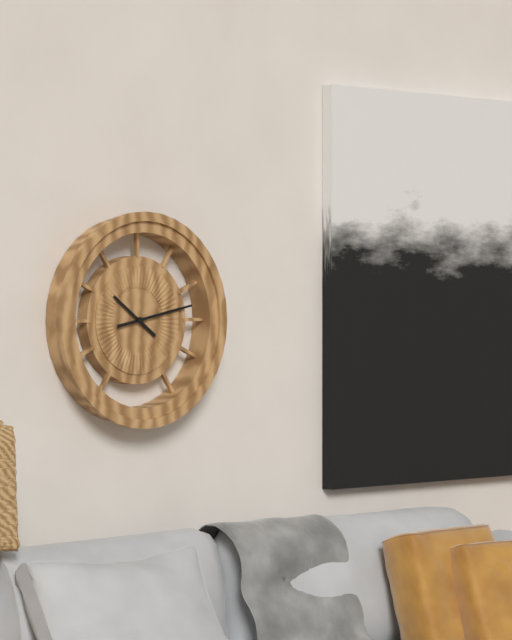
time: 10:13
